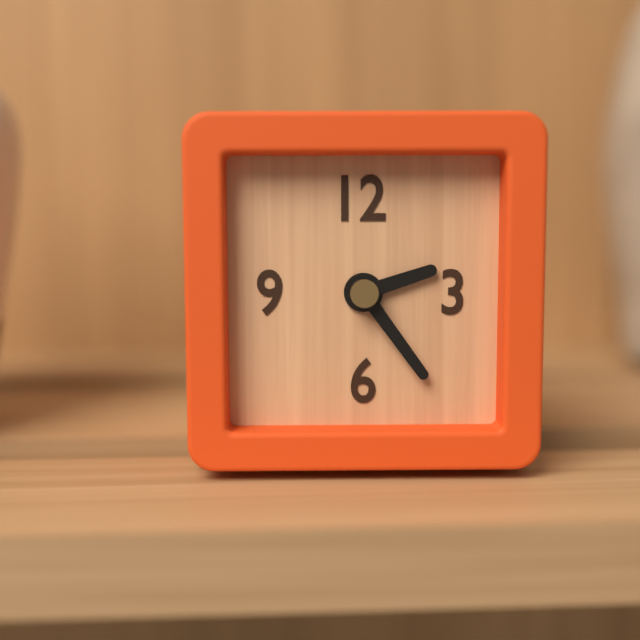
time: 2:24
